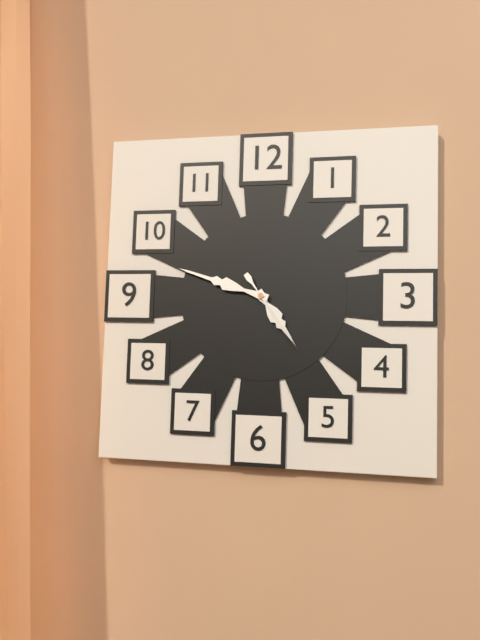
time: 4:48:24
